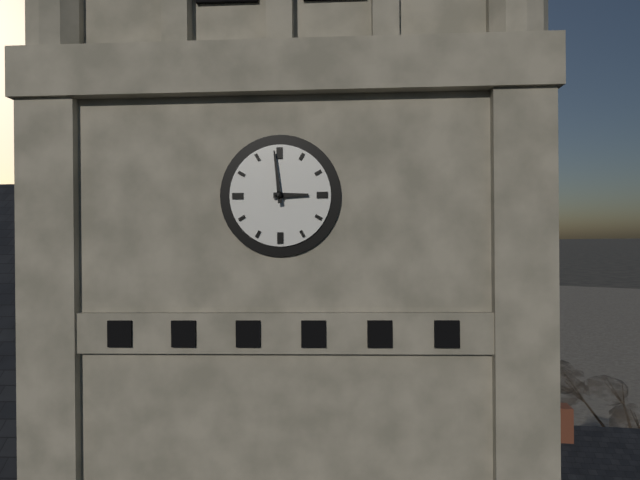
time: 2:59
